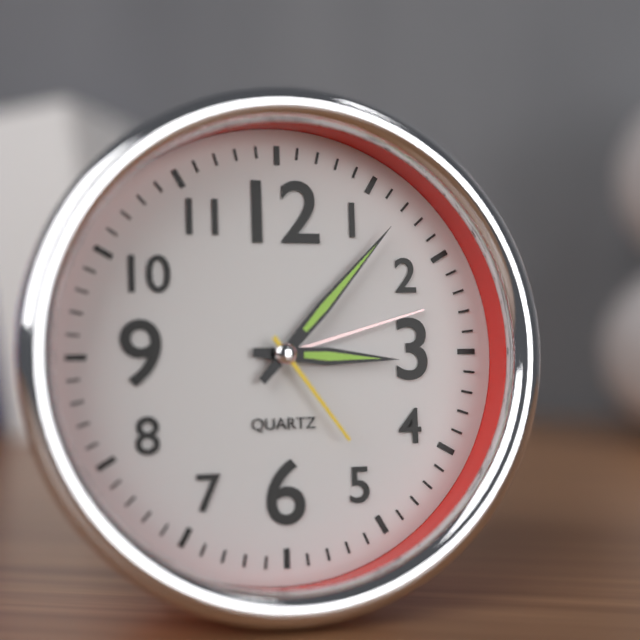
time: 3:07:24
